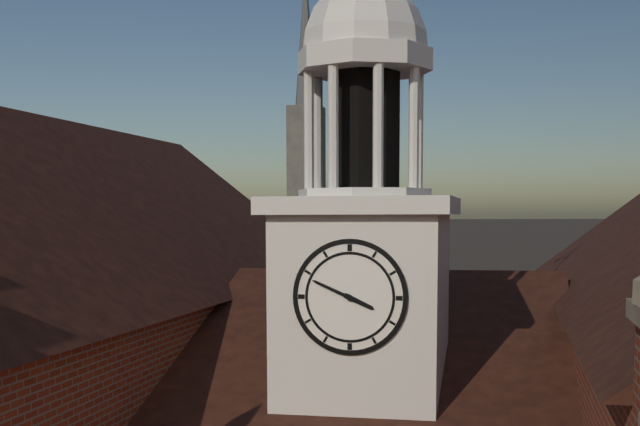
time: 3:49
